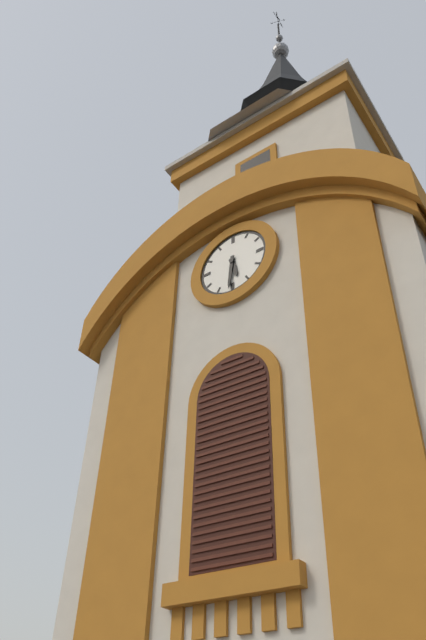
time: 5:31
